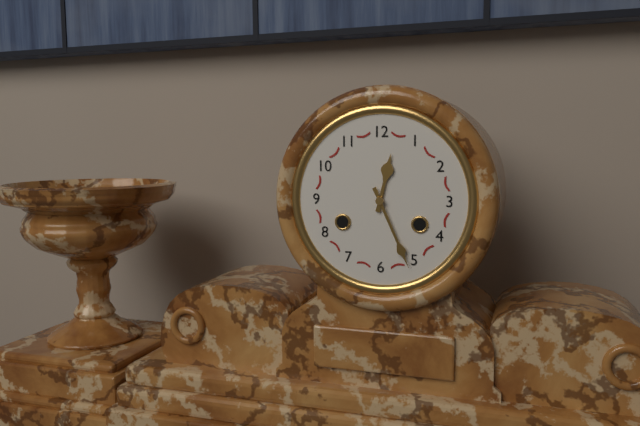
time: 12:26
